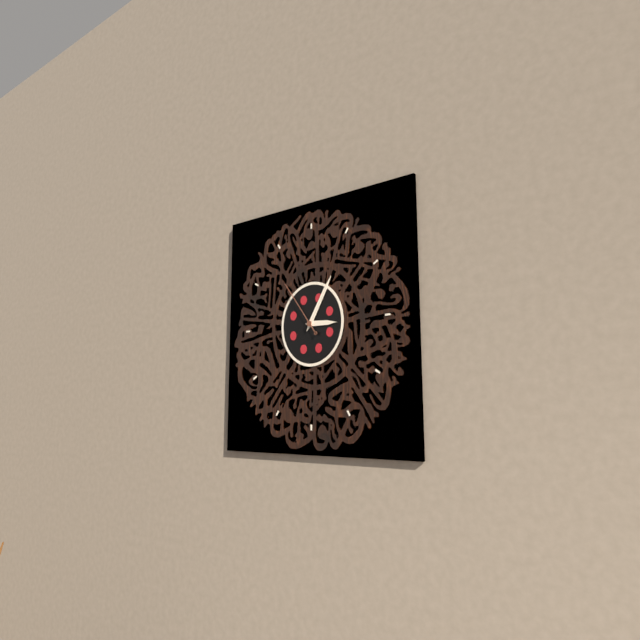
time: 3:05:54
